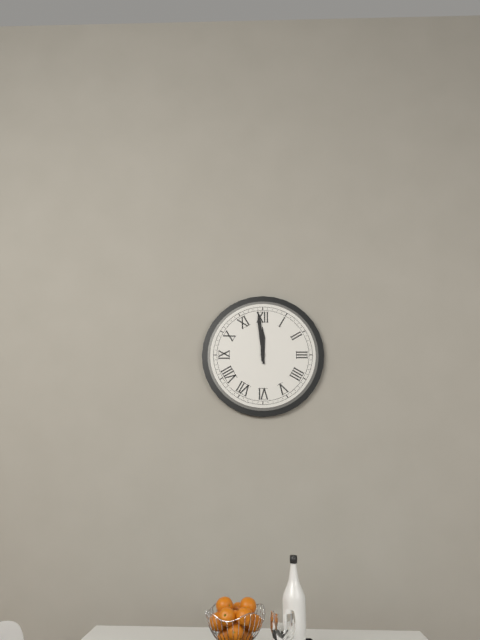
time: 11:59
